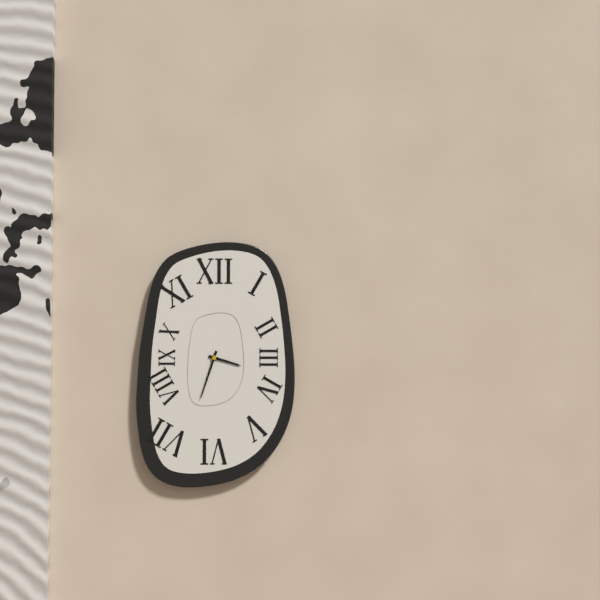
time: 3:33
